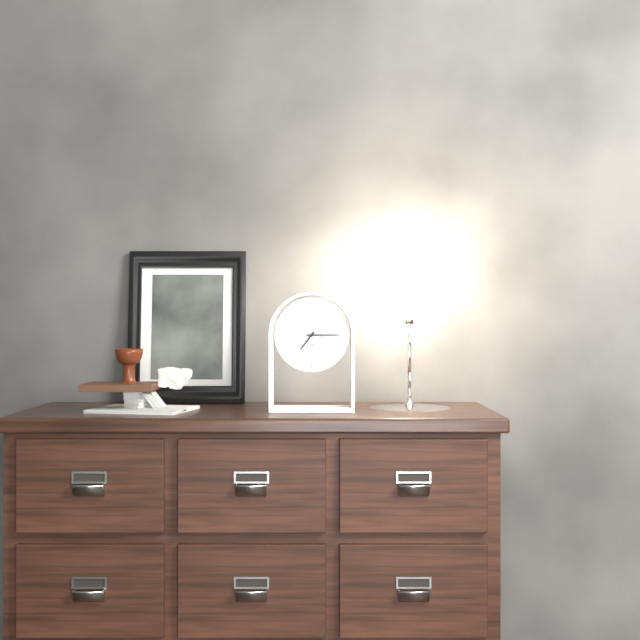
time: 7:15
